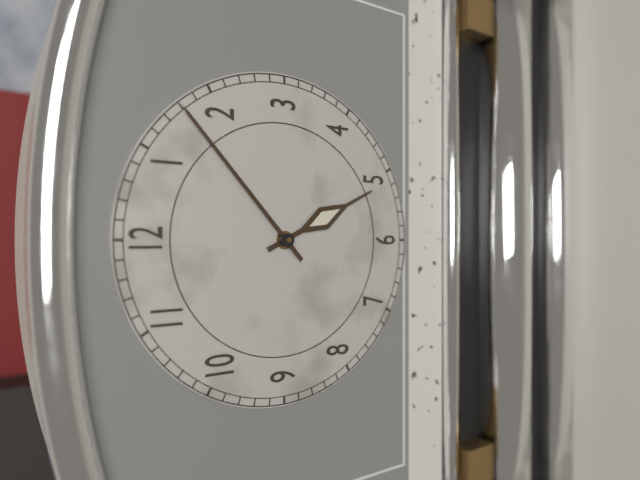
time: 5:08
